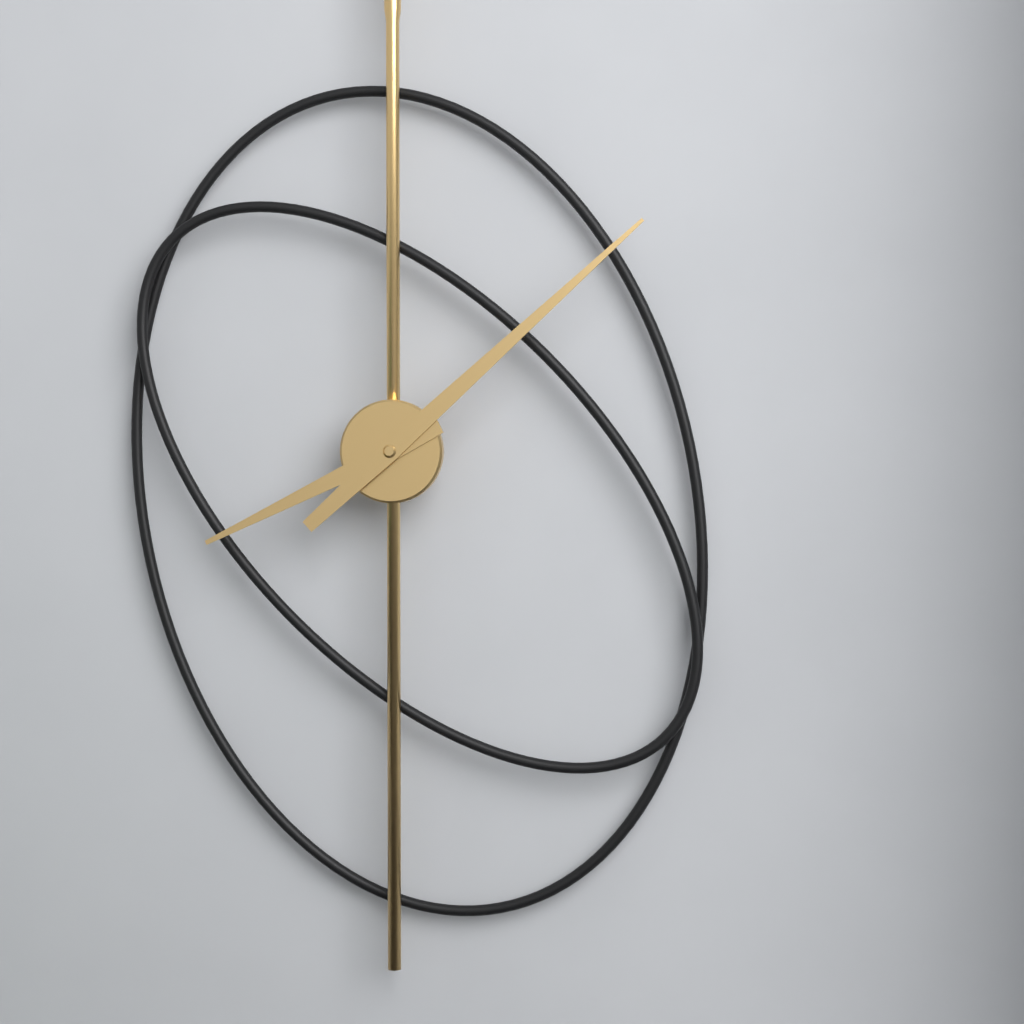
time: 8:08
